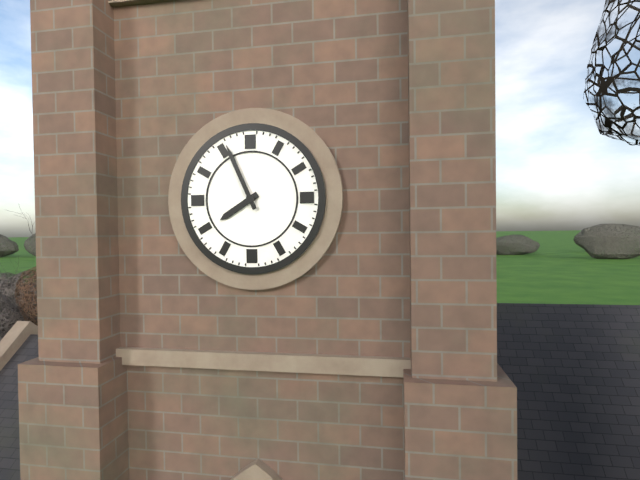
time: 7:56
